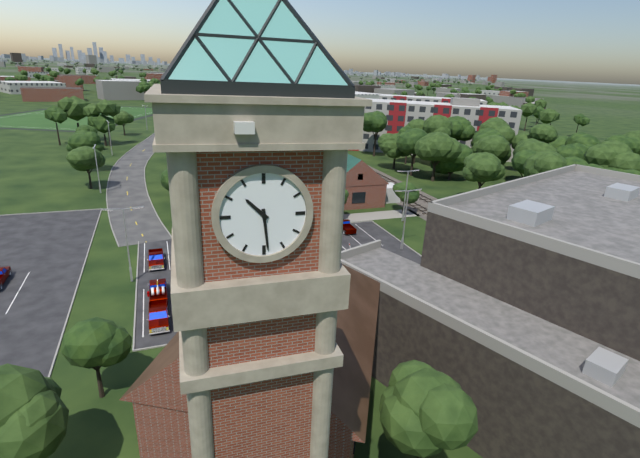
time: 10:29
